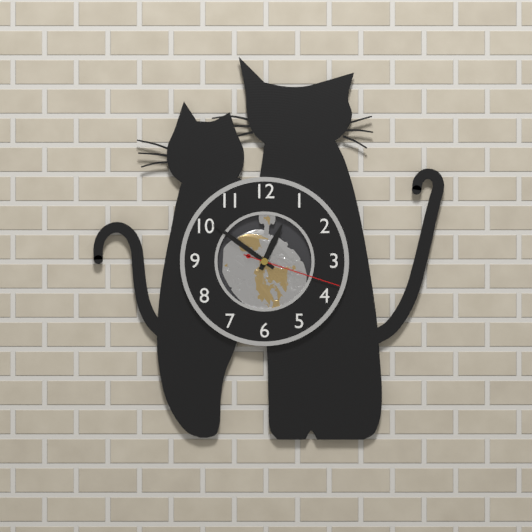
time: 12:51:18
